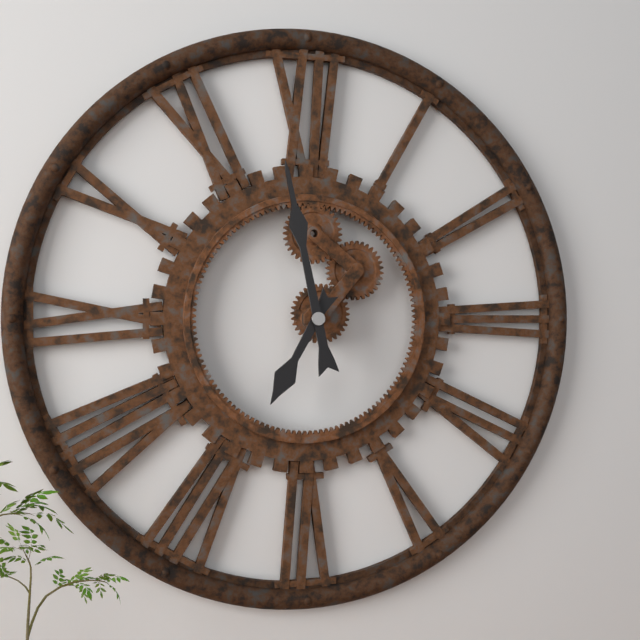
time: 6:58
